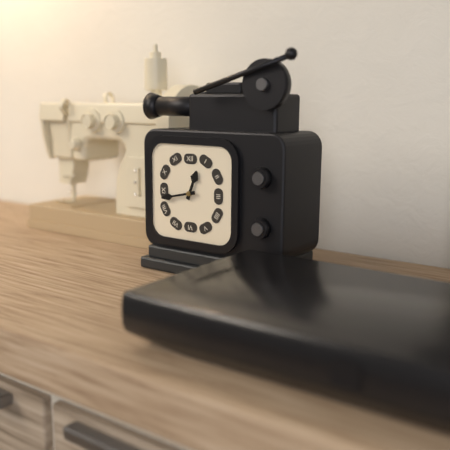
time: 12:43
